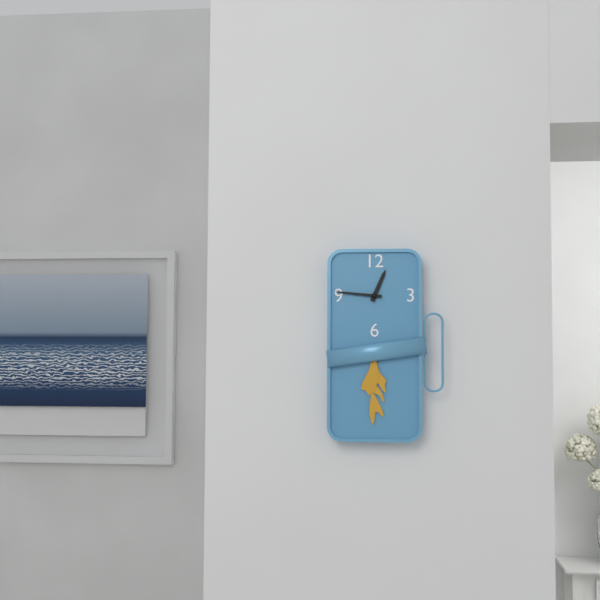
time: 12:46
